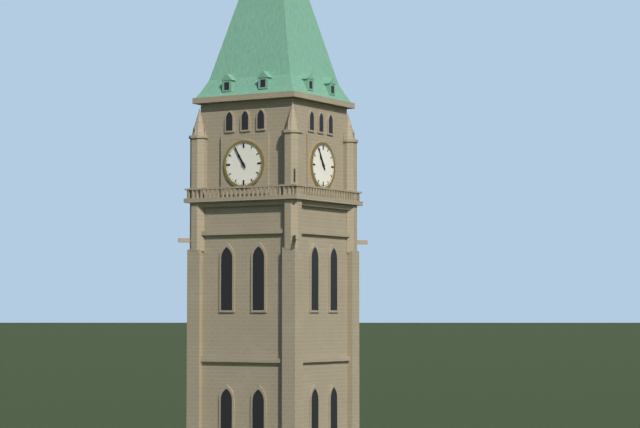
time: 10:55
